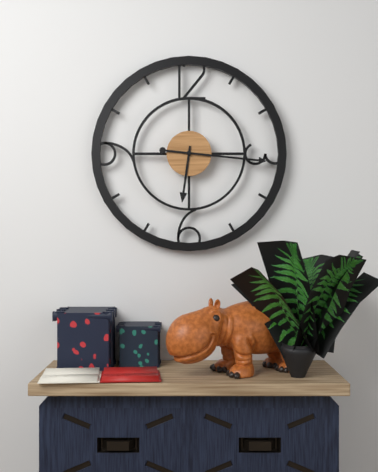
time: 6:16
